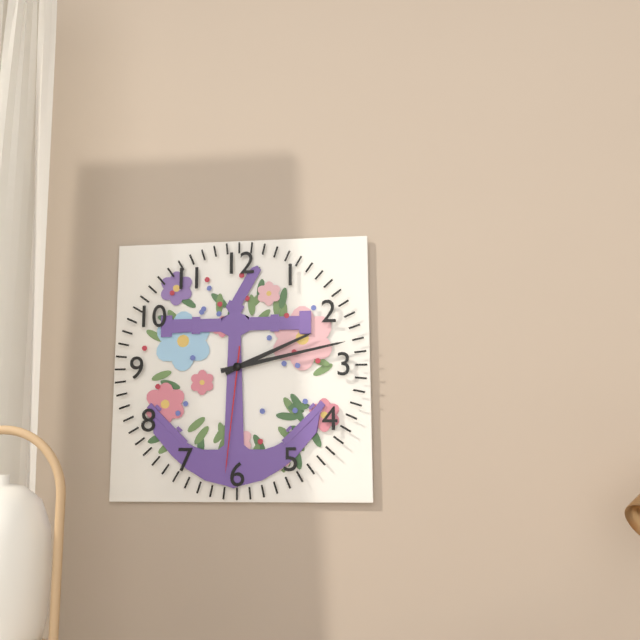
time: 2:13:31
